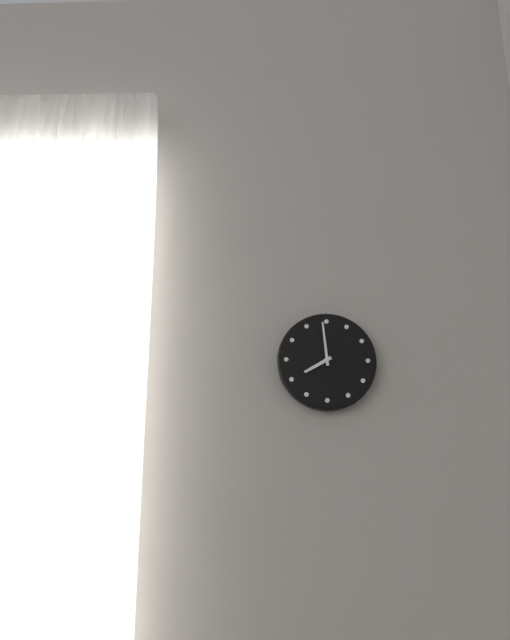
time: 7:59
